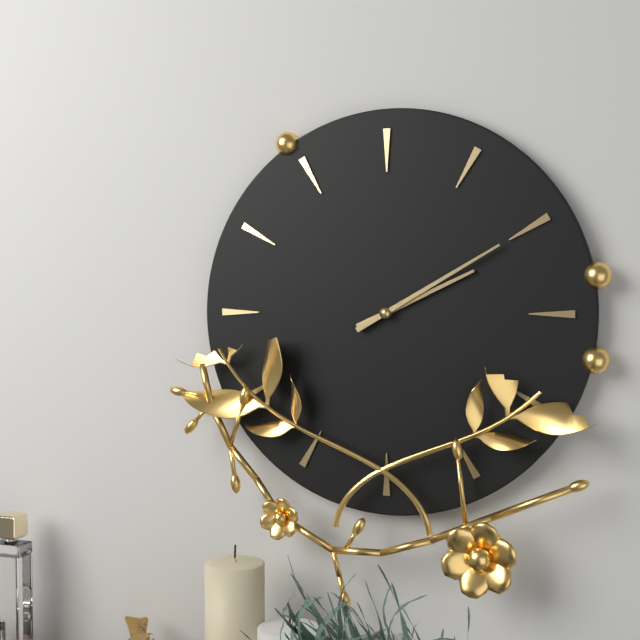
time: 2:10
